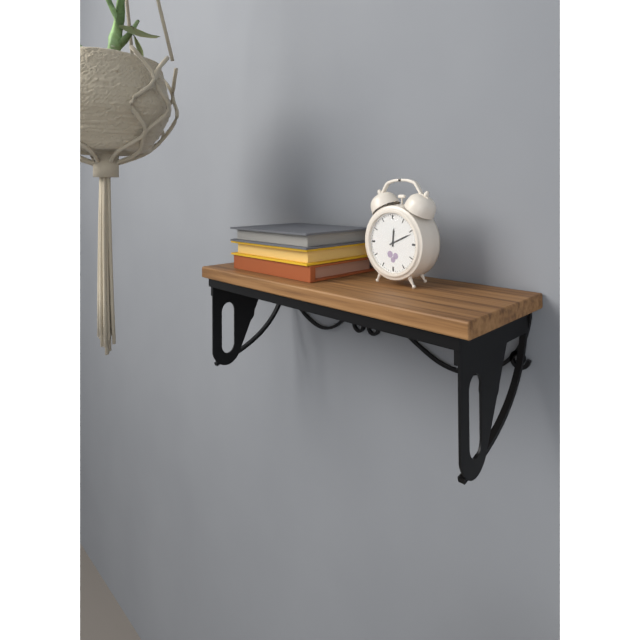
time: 12:11
